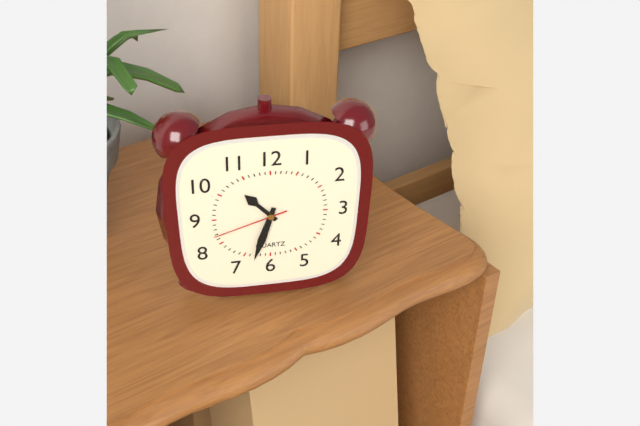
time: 10:33:42
